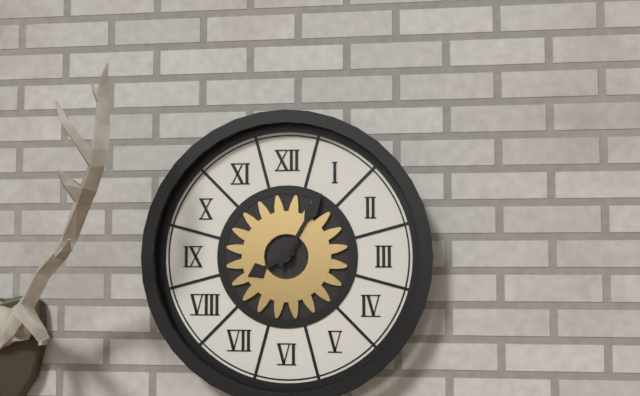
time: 8:05
